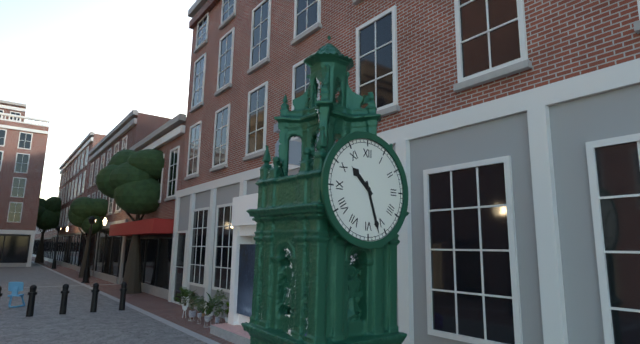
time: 10:27
